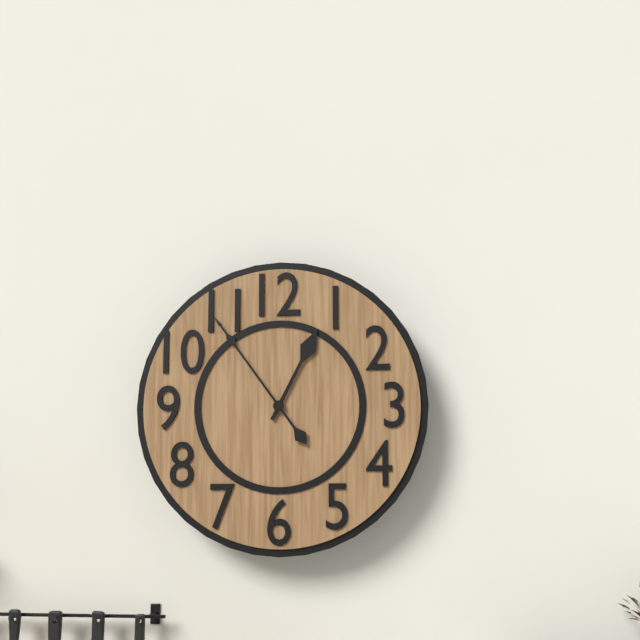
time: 12:54
